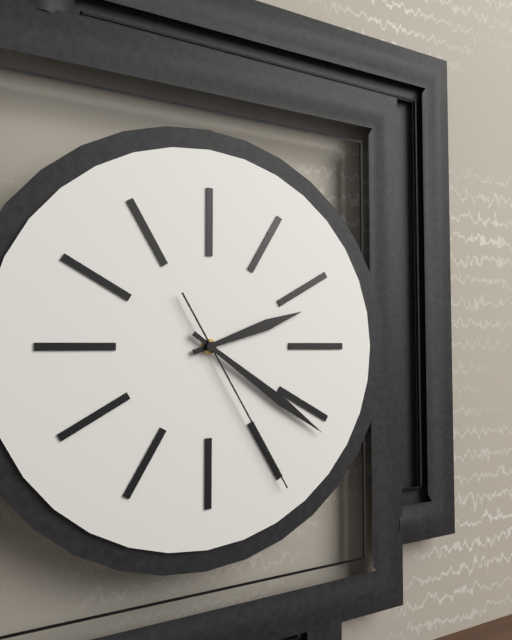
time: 2:21:25
